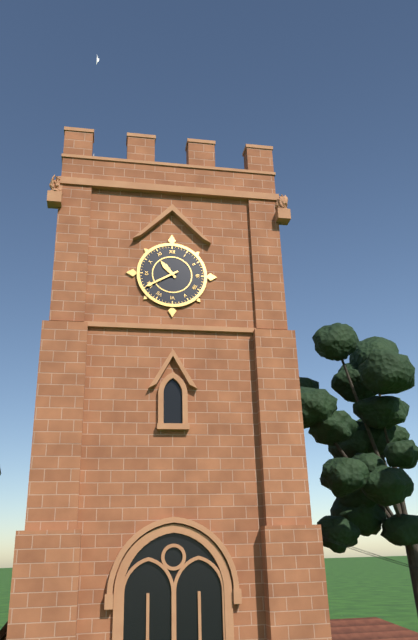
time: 10:40
